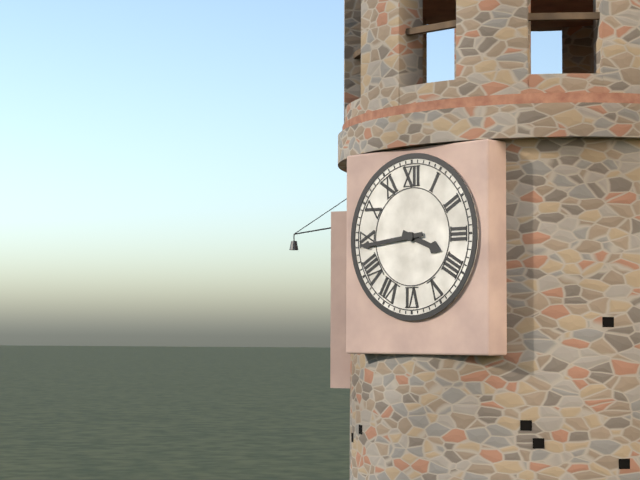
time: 3:44
